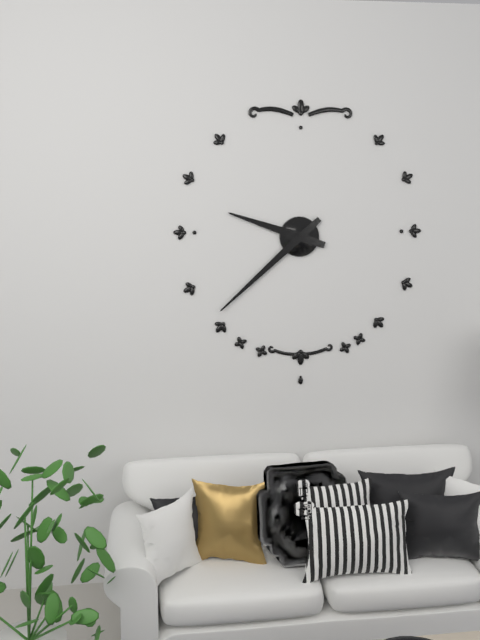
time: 9:38
